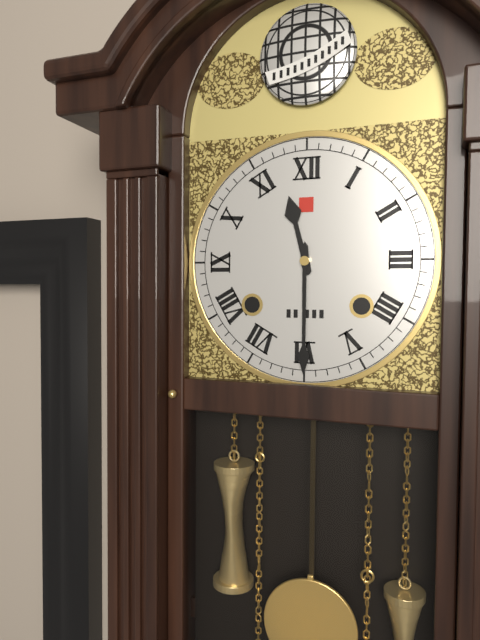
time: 11:30
